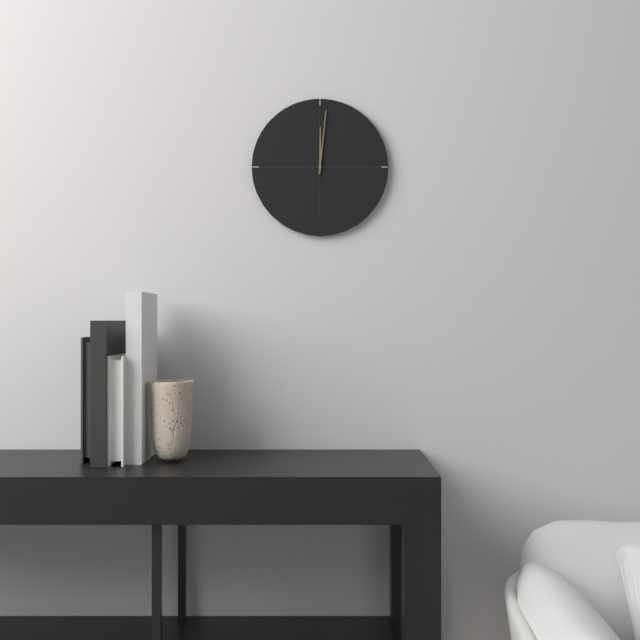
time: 12:01
